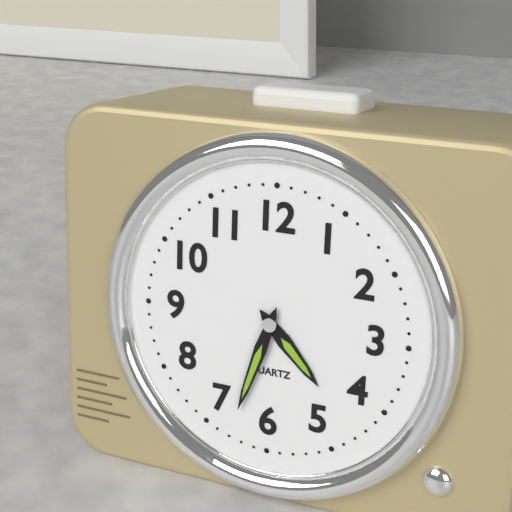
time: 4:33
